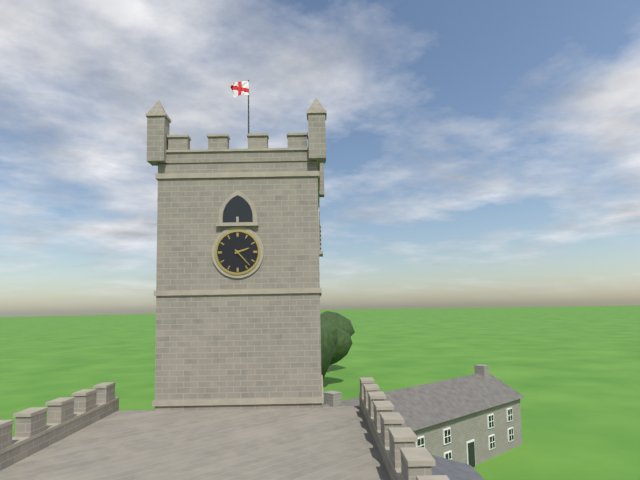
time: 2:23
